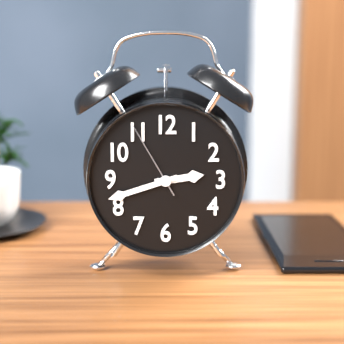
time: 2:42:55
